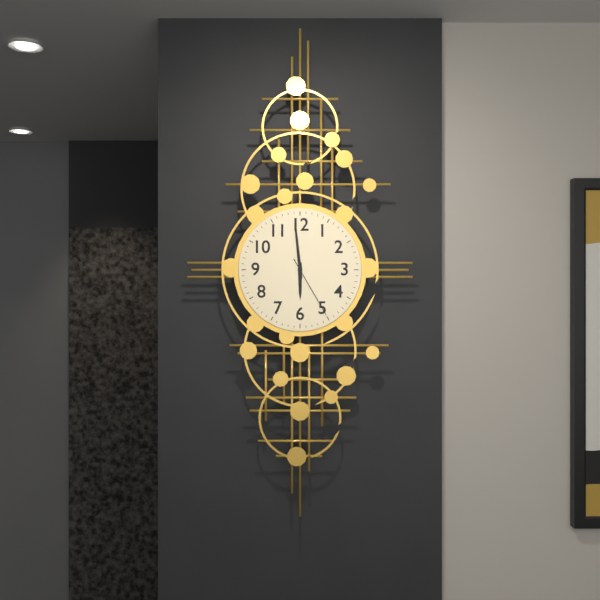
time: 5:59:25
